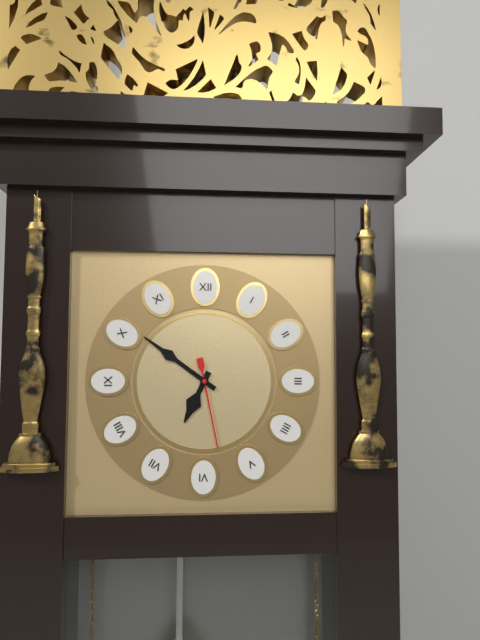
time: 6:51:28
